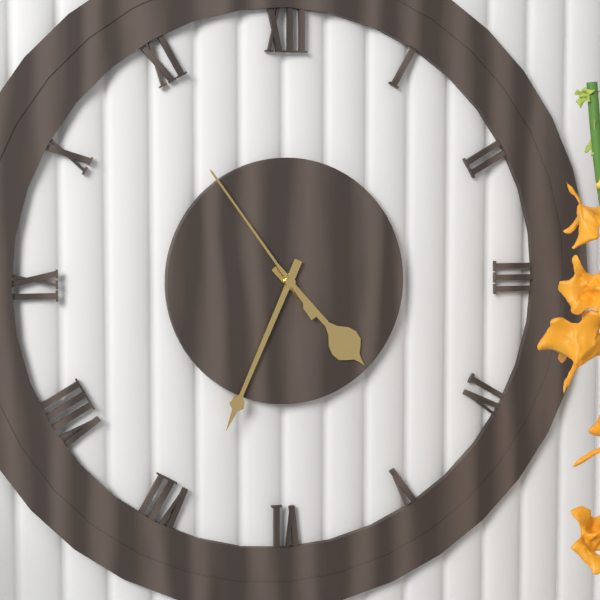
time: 4:34:54
